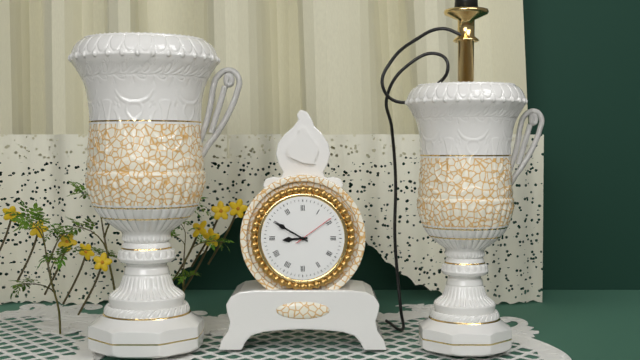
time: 8:50
